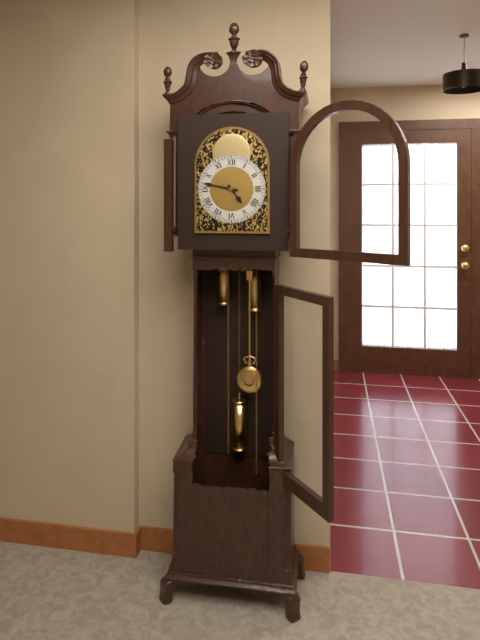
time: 4:47
